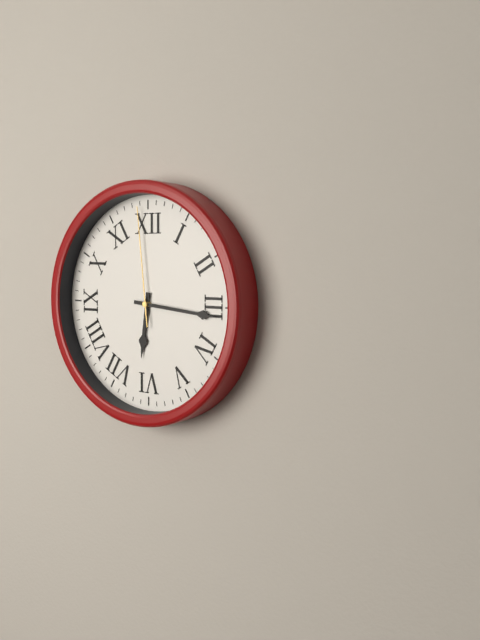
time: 6:16:59
